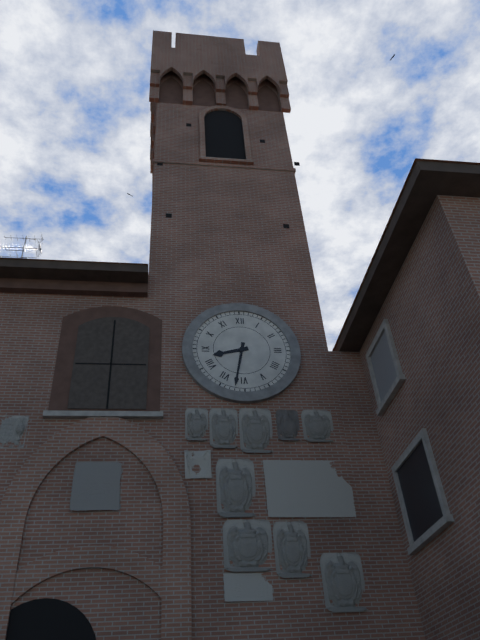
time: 8:32
